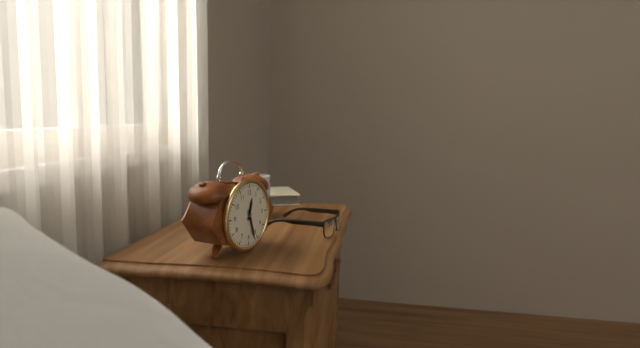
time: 12:27
